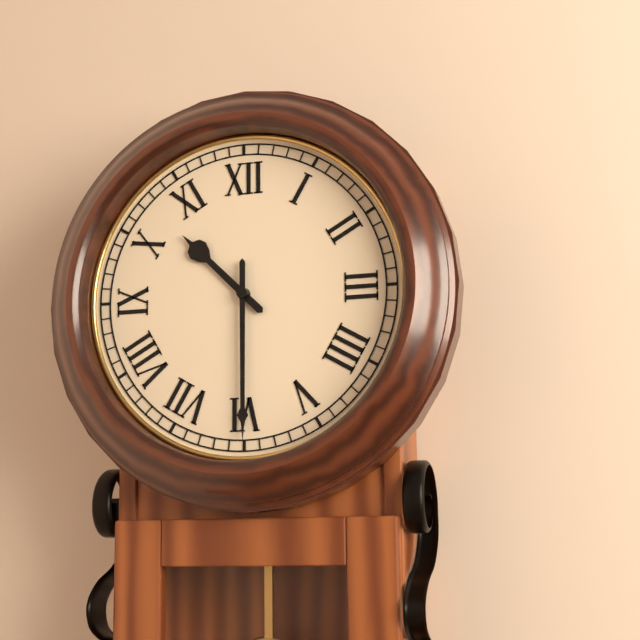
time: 10:30
